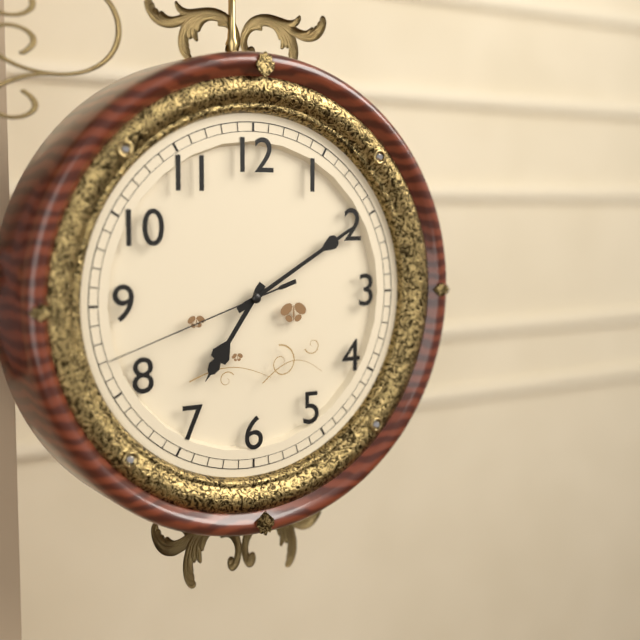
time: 7:10:42
